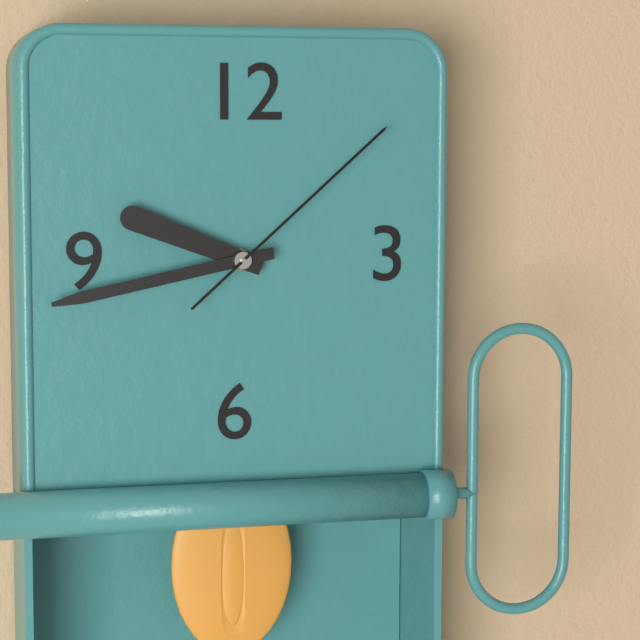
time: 9:43:08
